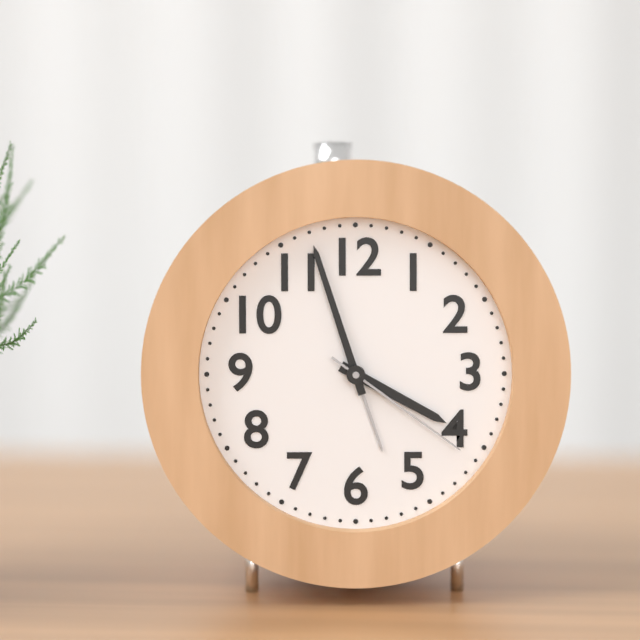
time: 3:57:21
